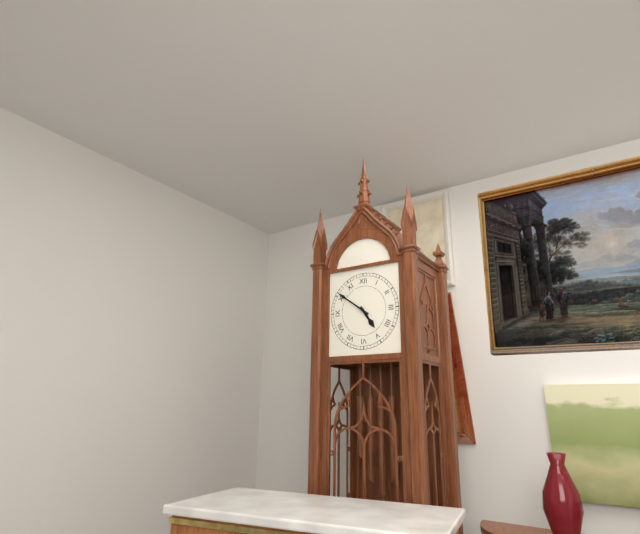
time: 4:51
